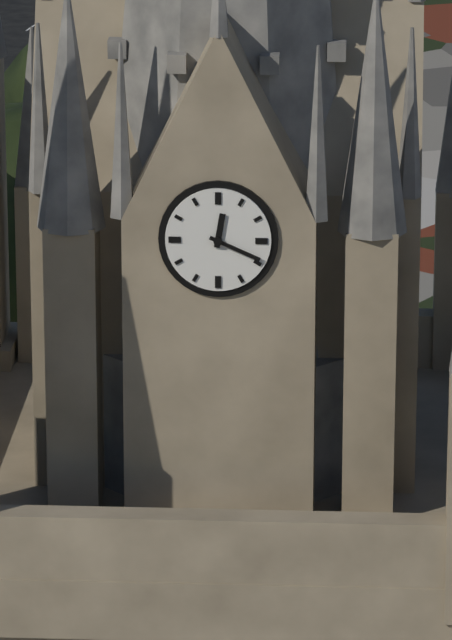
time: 12:19
